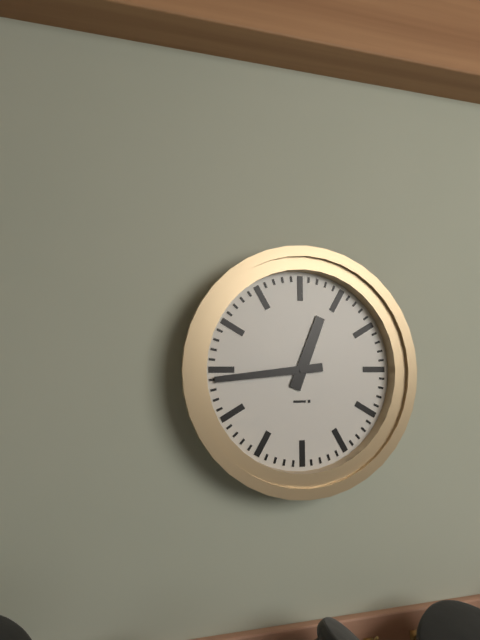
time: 12:44
